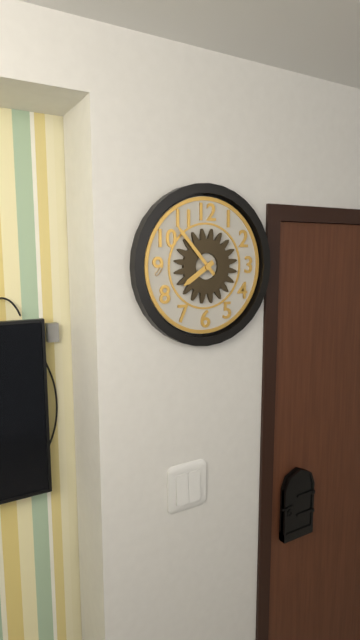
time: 7:53
